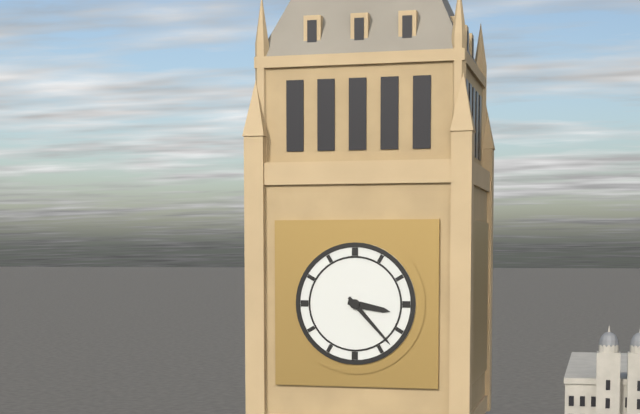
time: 3:23
